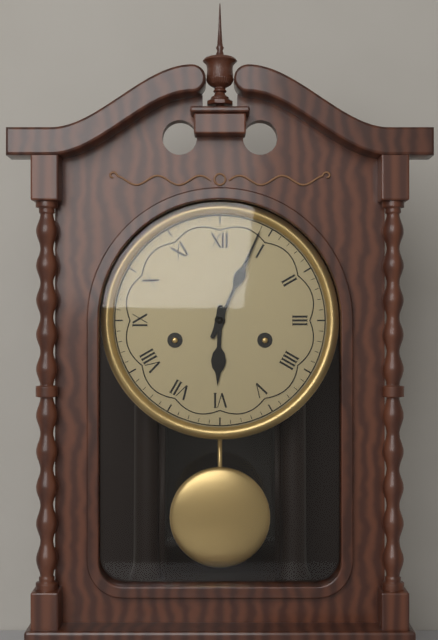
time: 6:04
